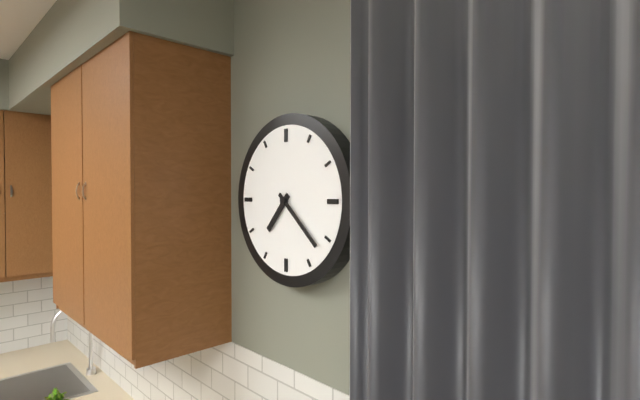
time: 7:22
